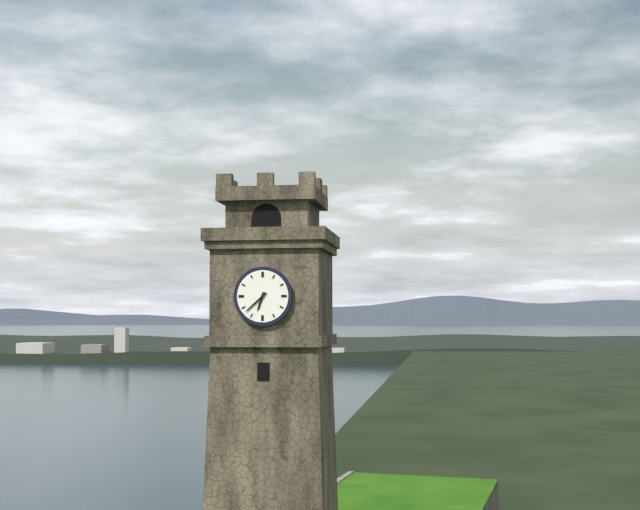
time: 6:38
